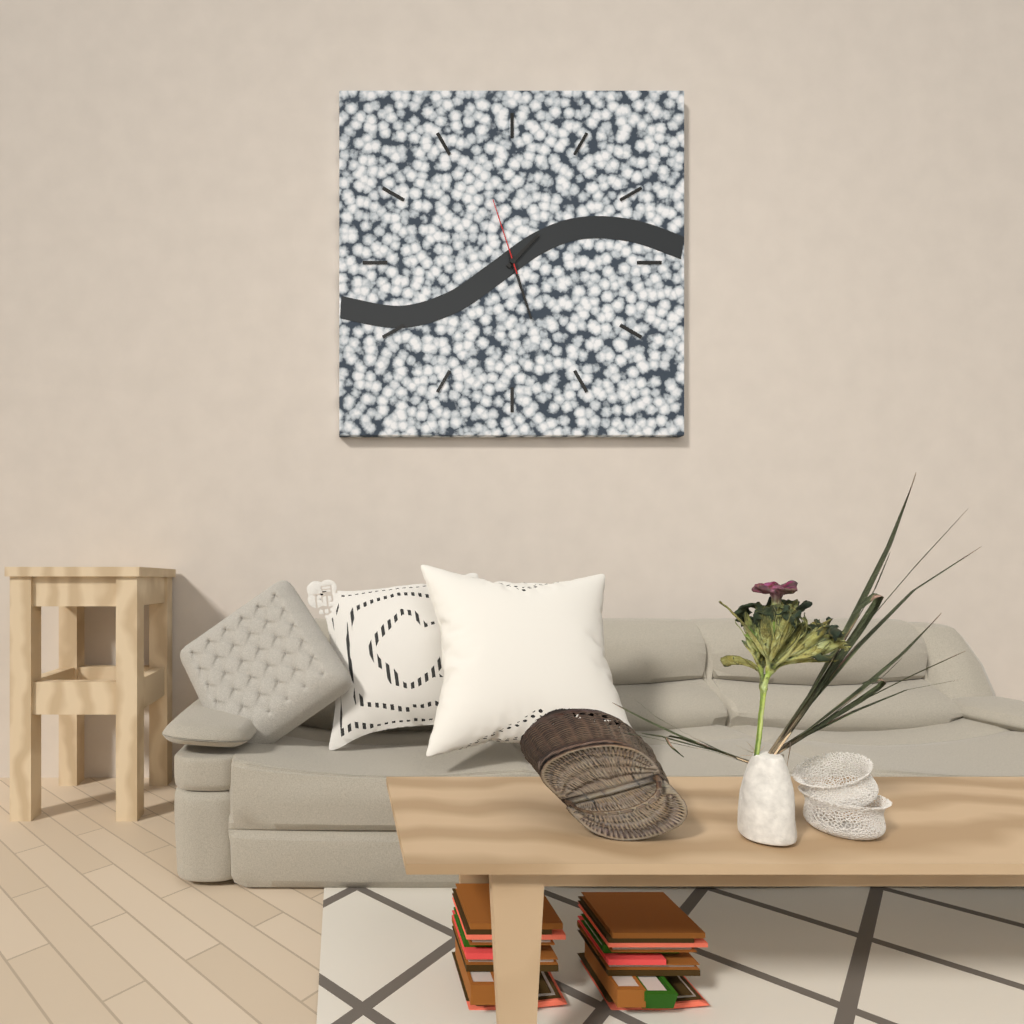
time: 1:27:57
